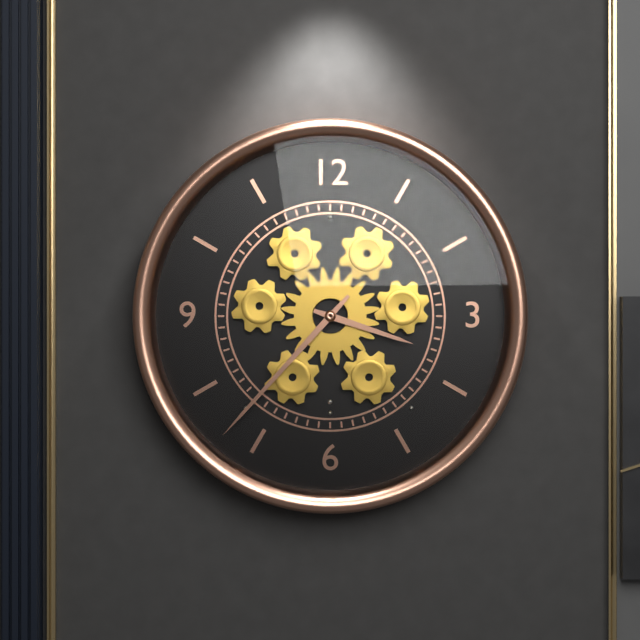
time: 3:37
